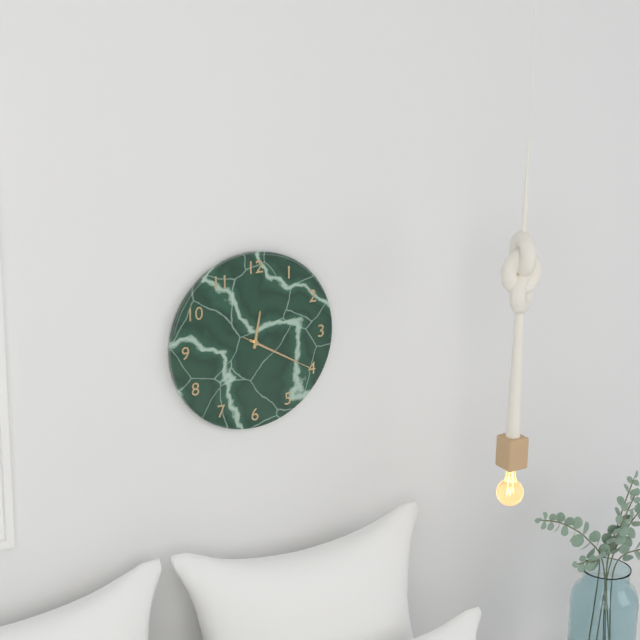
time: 12:20:20
